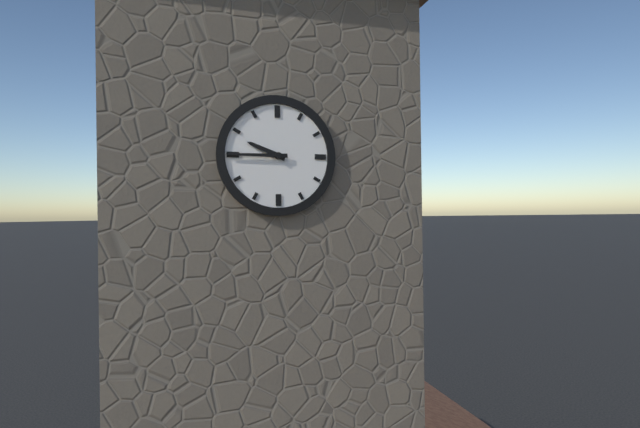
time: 9:45
